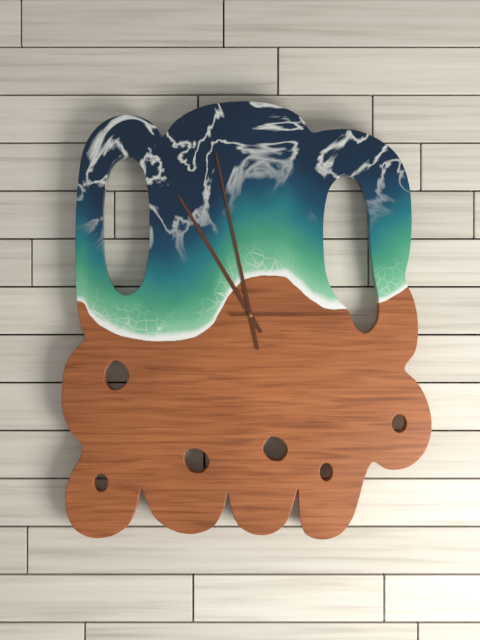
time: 10:58:15
